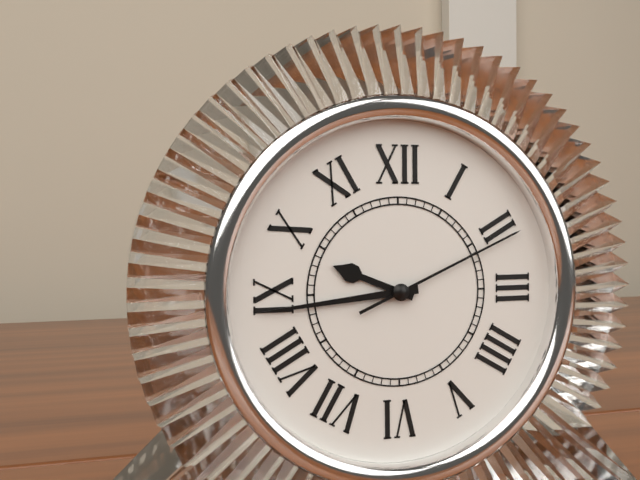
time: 9:44:11
